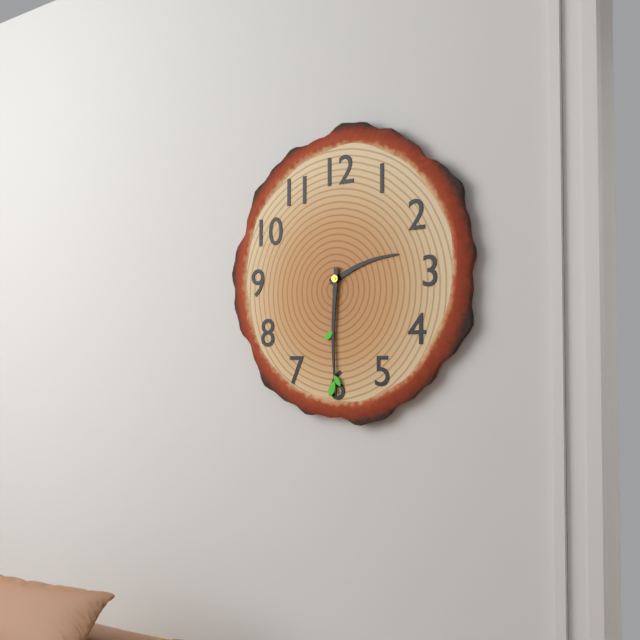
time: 2:30
